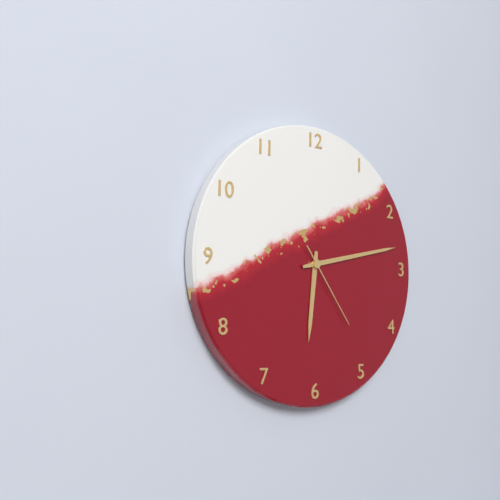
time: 6:13:24
